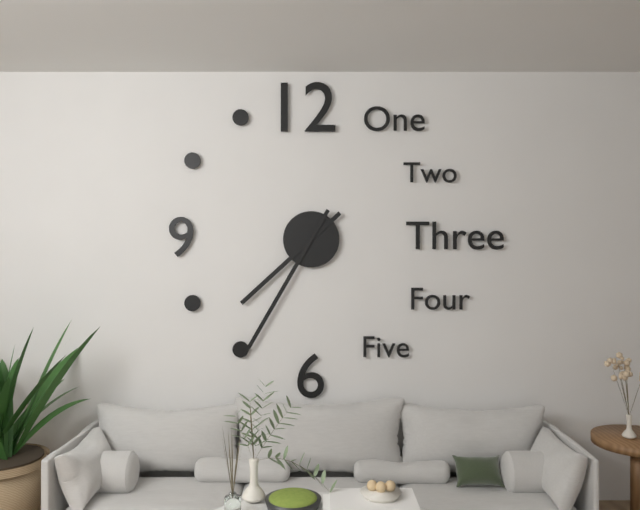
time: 7:35
